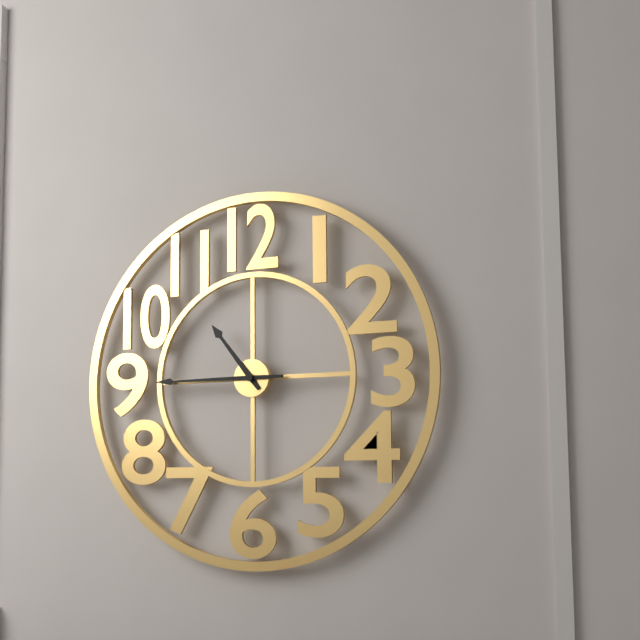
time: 10:45
